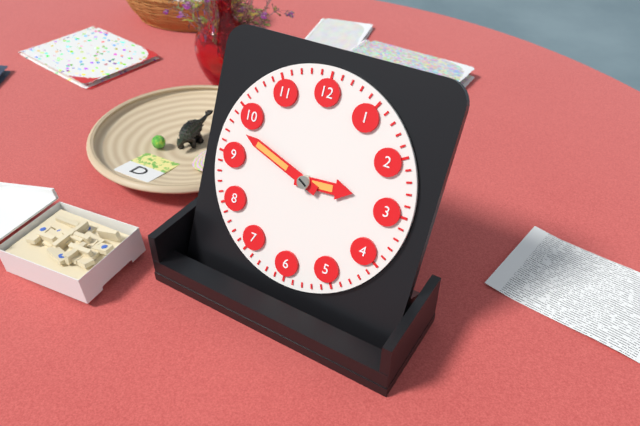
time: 2:48
